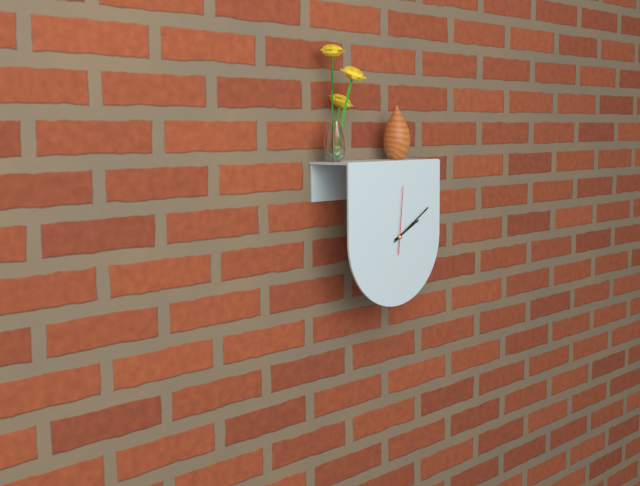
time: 2:10:01
